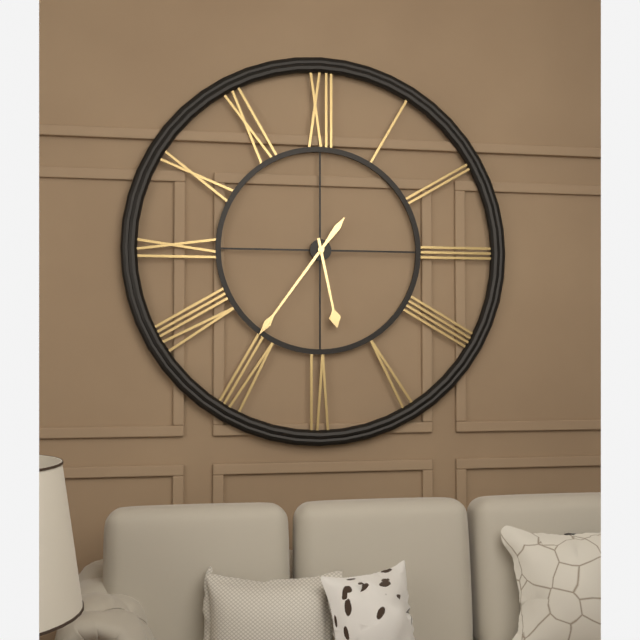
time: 5:36
